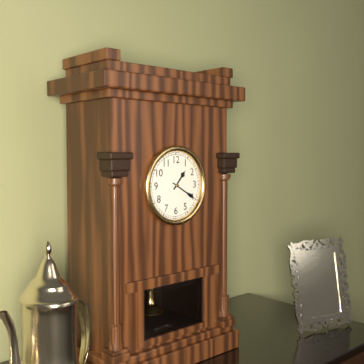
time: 1:20
